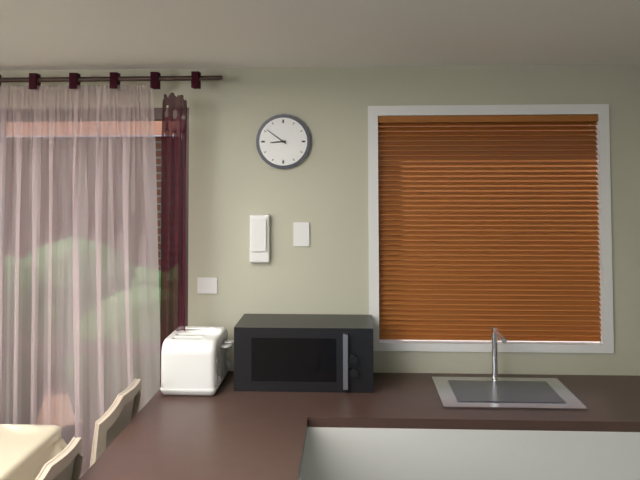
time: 8:51
